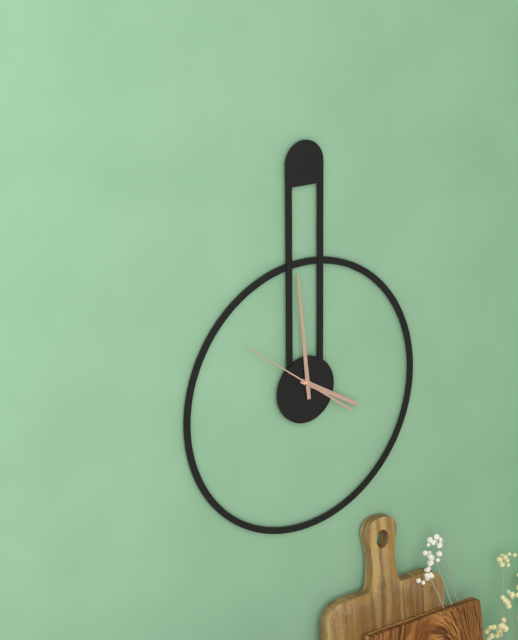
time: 3:59:51
